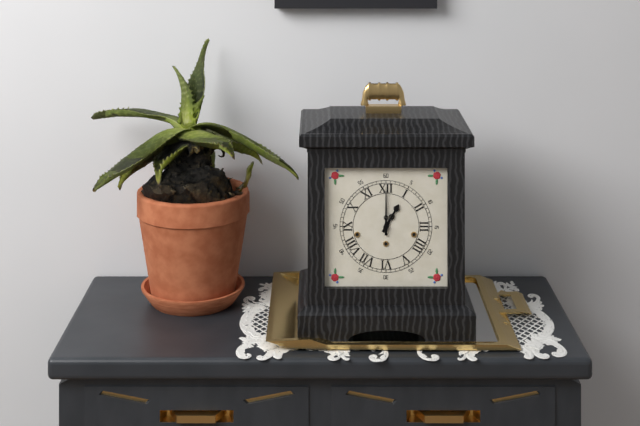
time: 1:00
